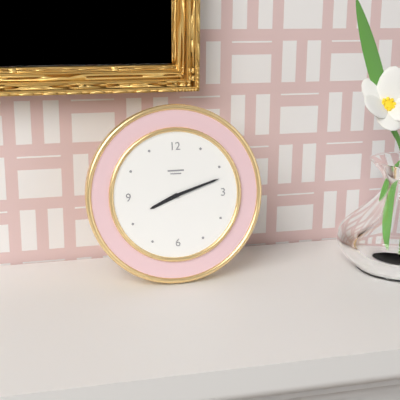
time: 8:12
